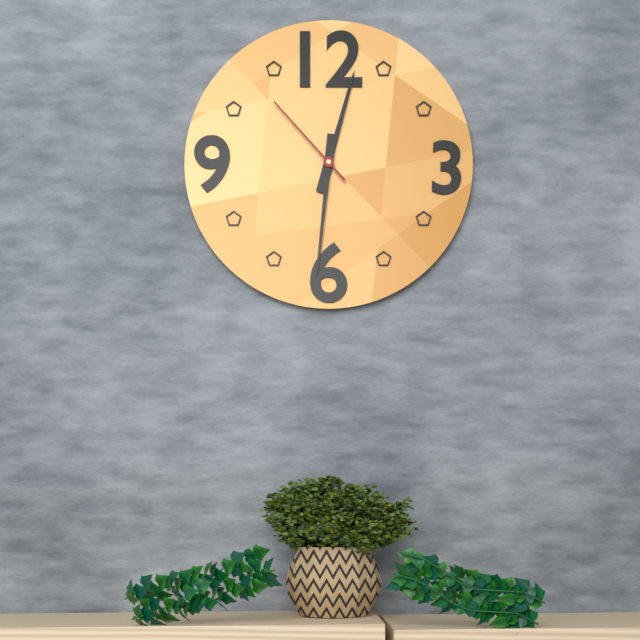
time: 12:31:53
